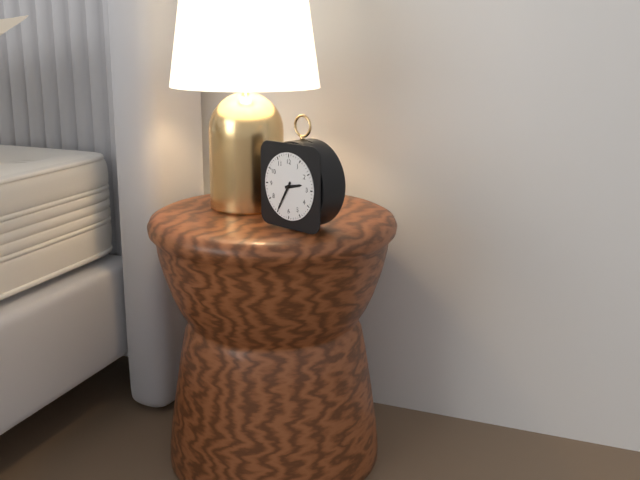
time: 2:35
